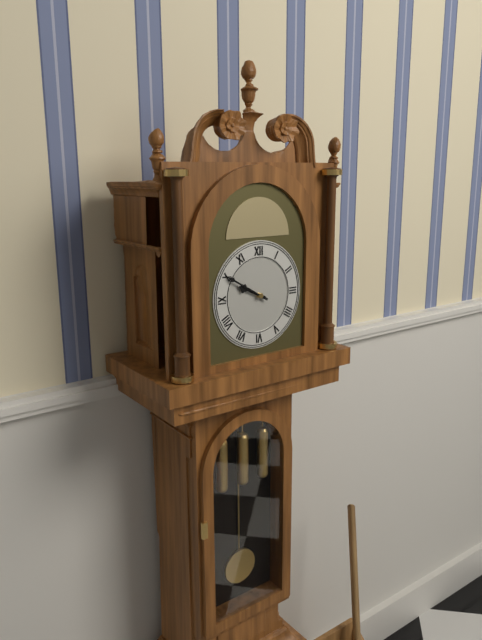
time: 9:50
